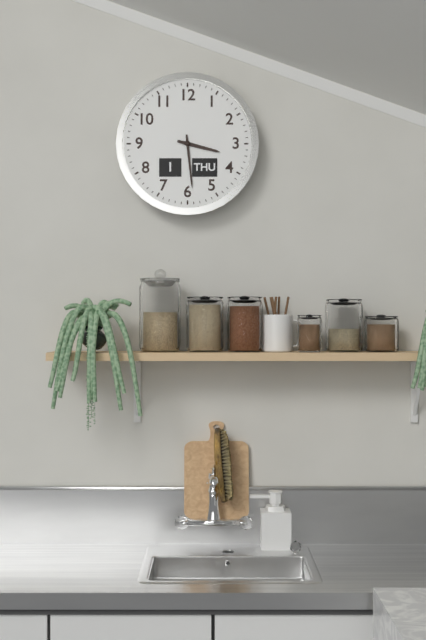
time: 3:29
